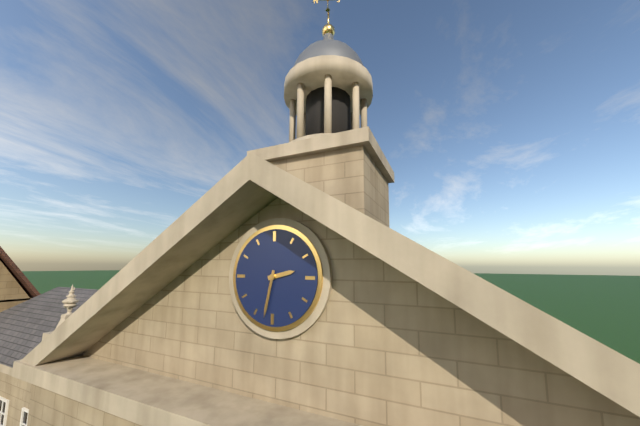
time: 2:32
